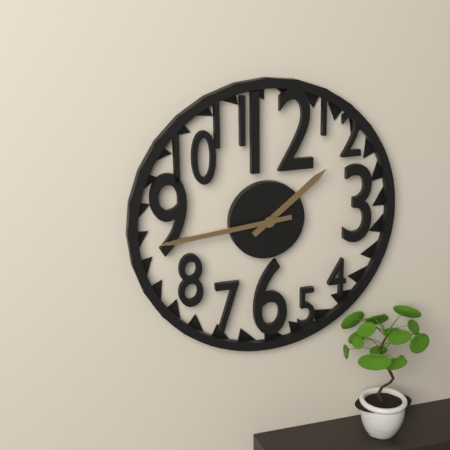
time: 1:44
